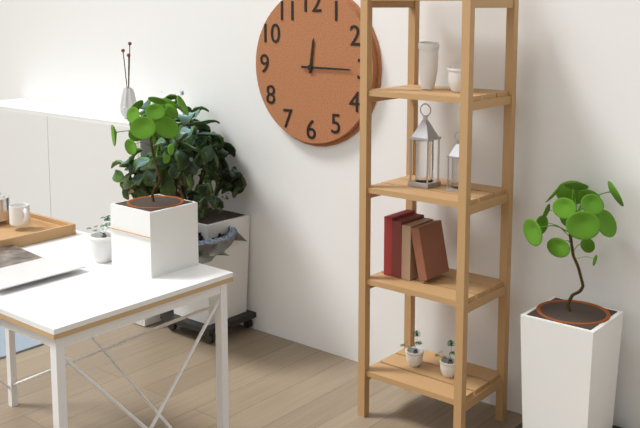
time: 12:15
